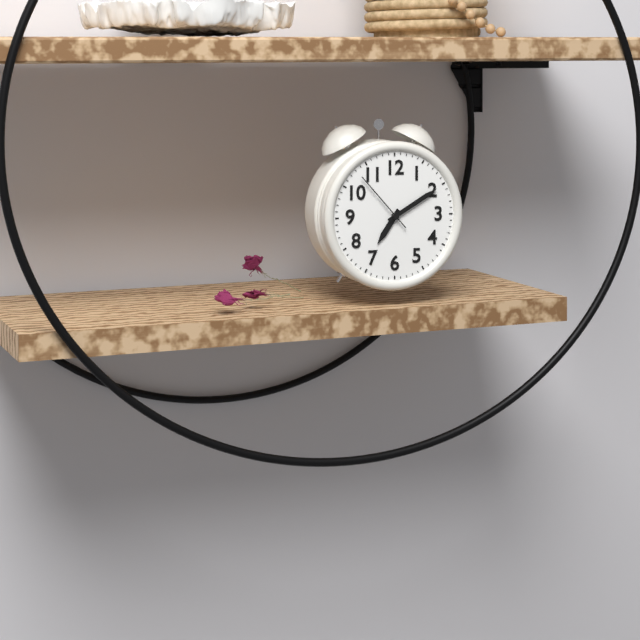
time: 7:10
